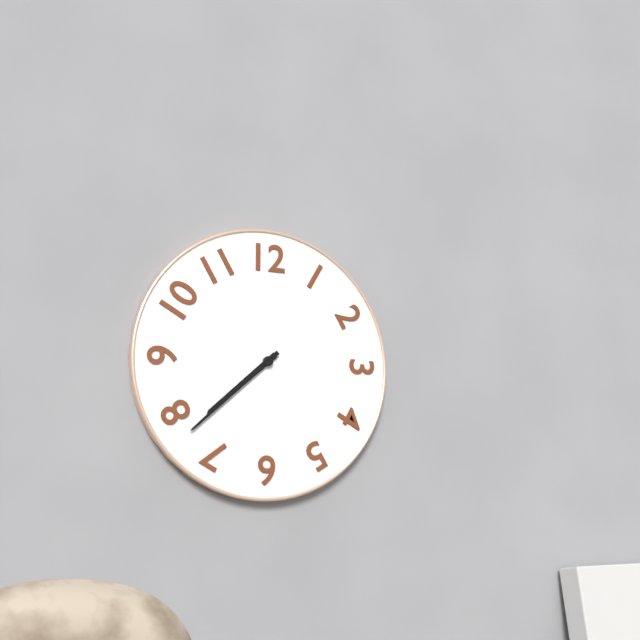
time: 7:38
